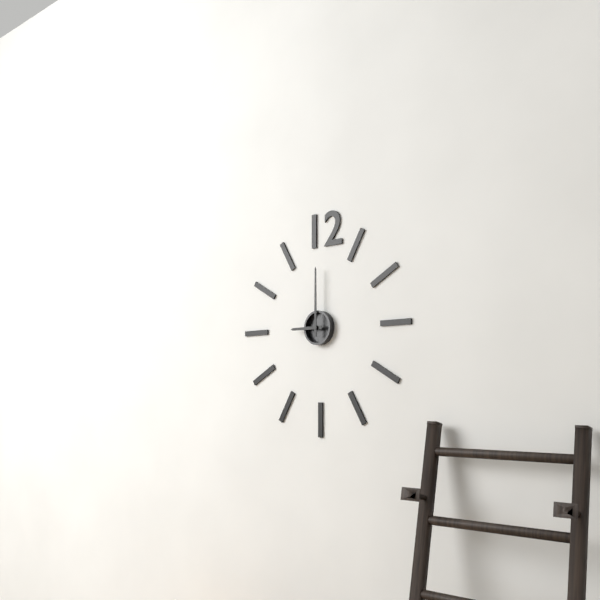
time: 9:00
